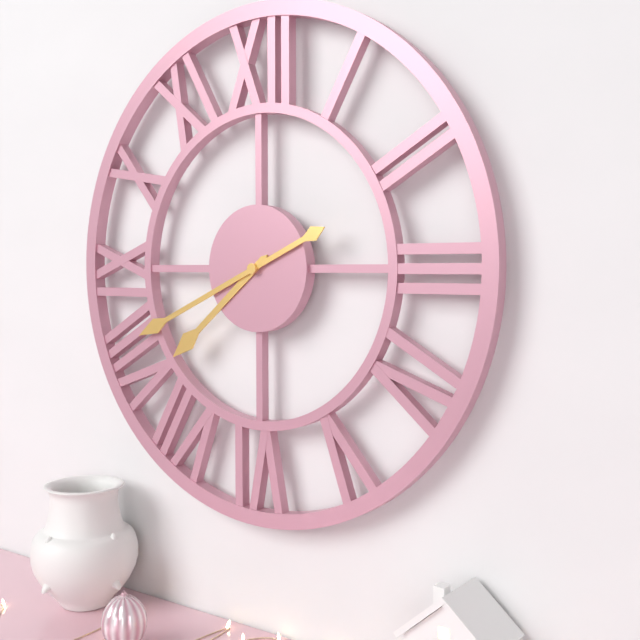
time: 7:41
